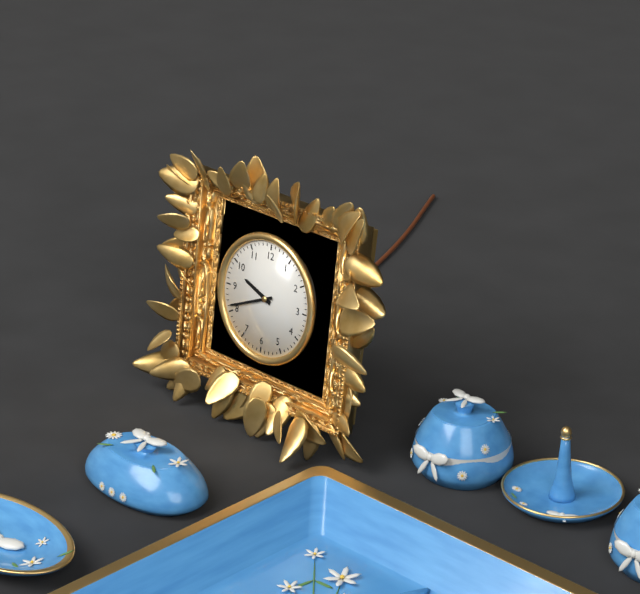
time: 9:41
